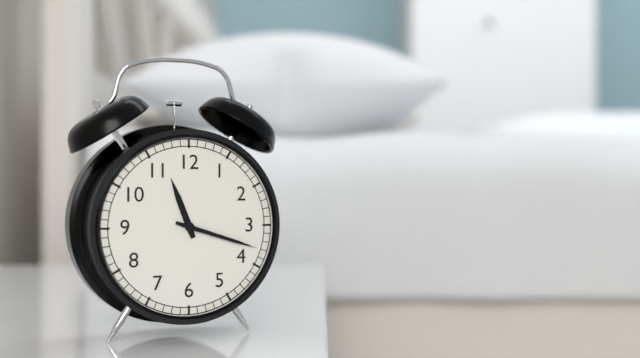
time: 11:18
